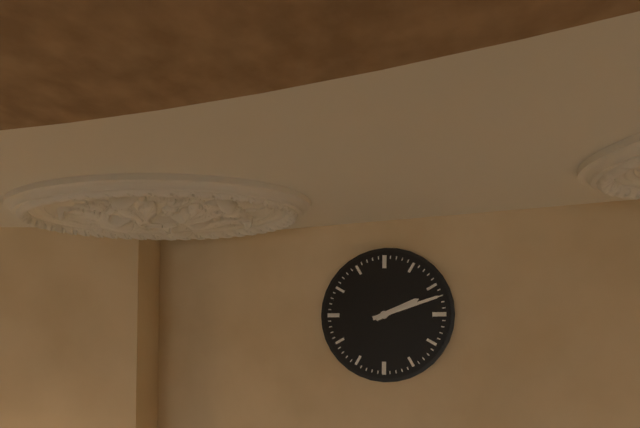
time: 2:12
